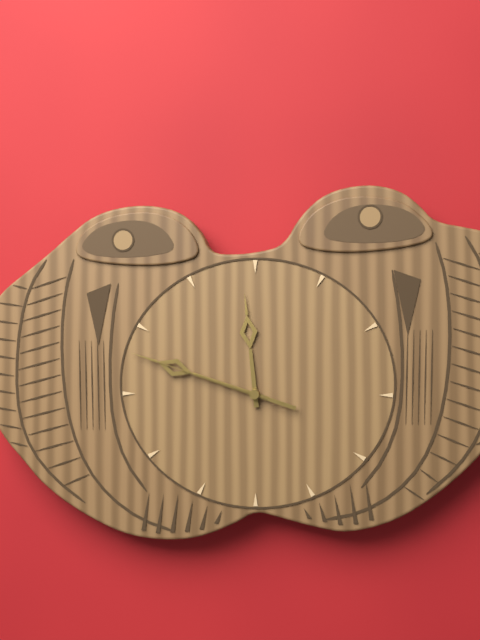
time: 11:48:48
